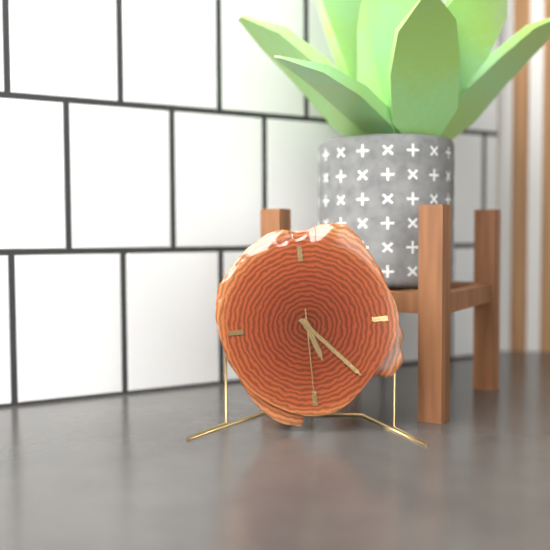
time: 5:23:30
